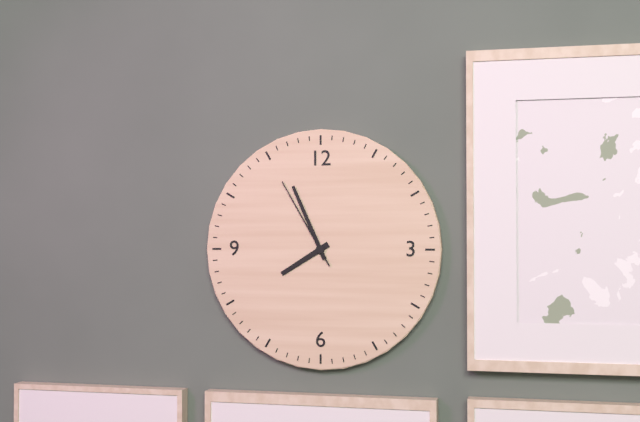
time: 7:56:55
